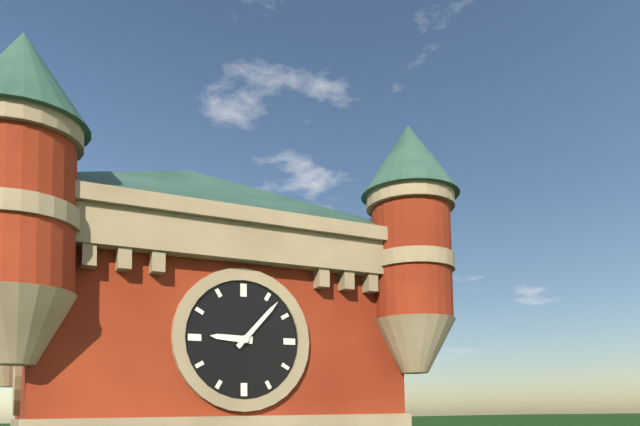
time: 9:07
